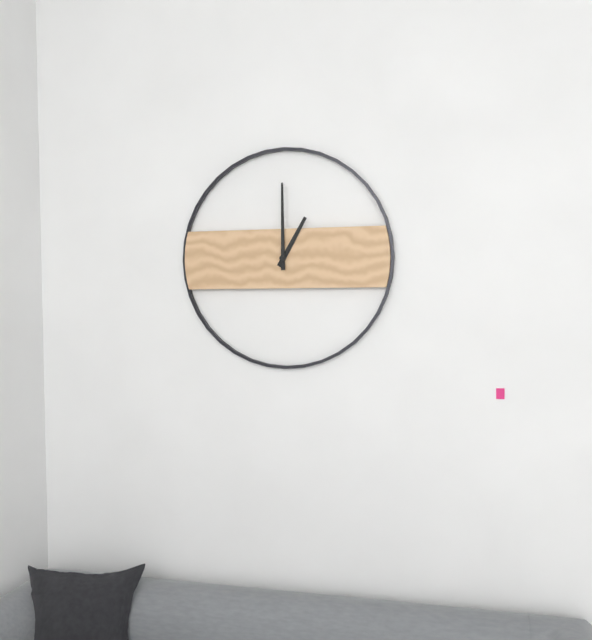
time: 1:00
